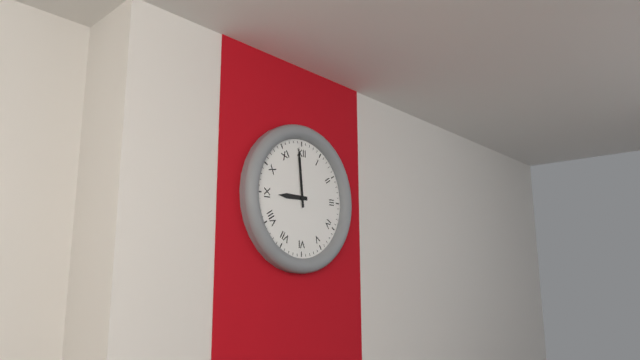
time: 8:59
